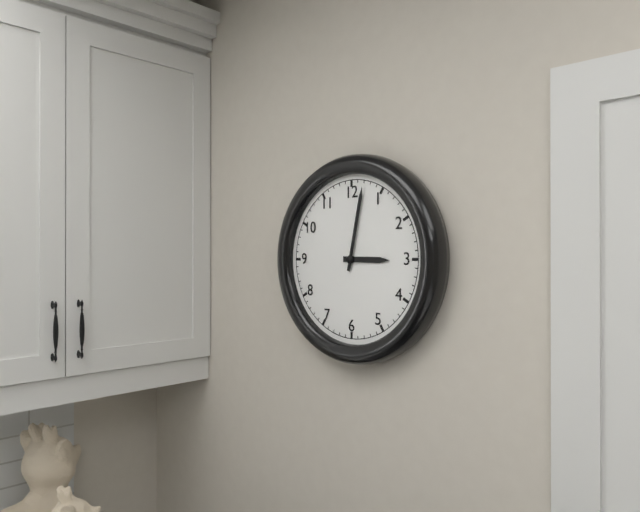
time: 3:02
